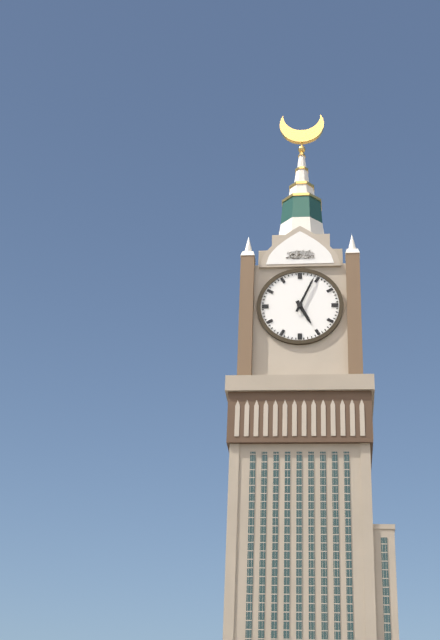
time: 5:04
